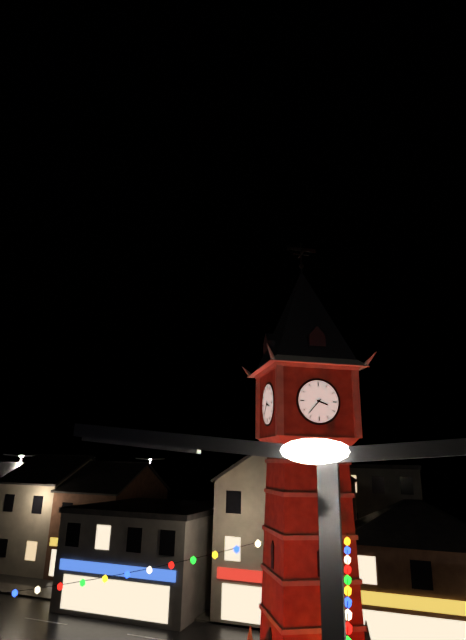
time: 3:37
